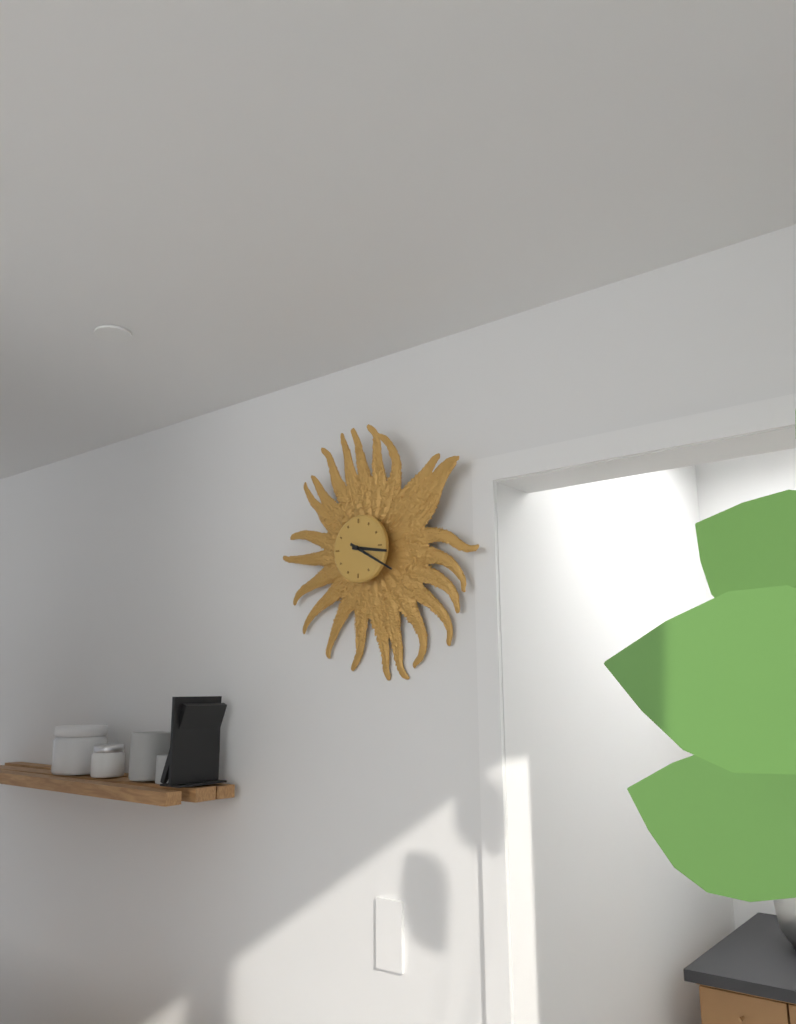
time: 3:20
